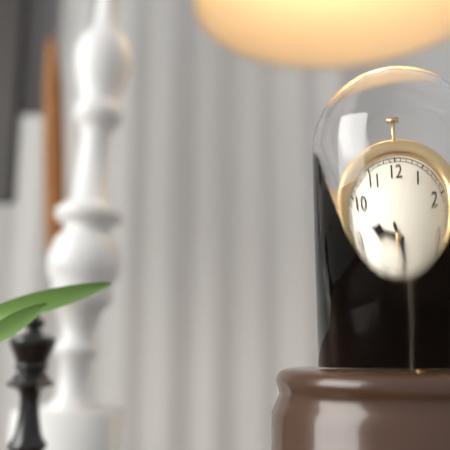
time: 9:25
